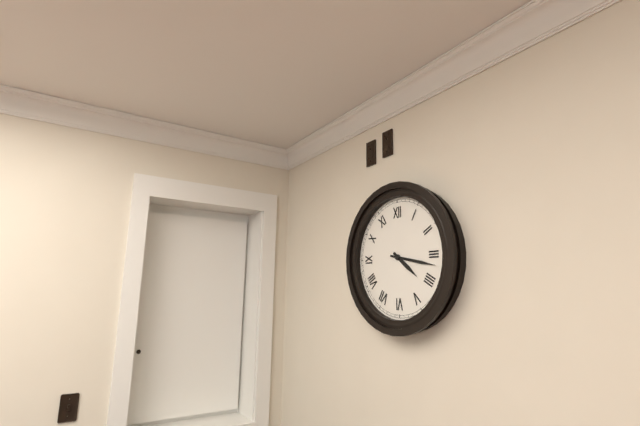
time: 4:17
